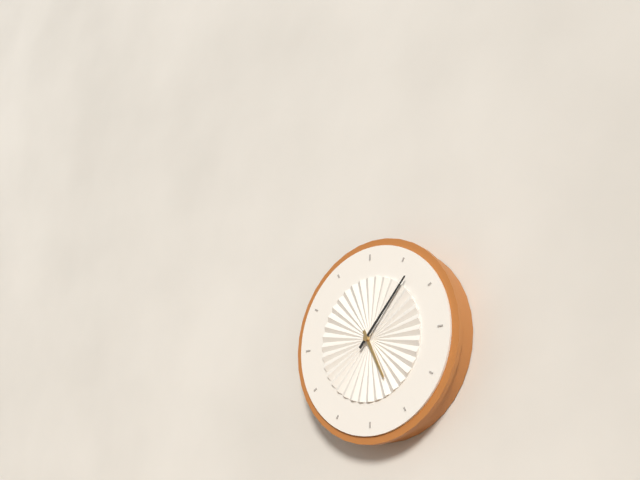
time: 5:07
